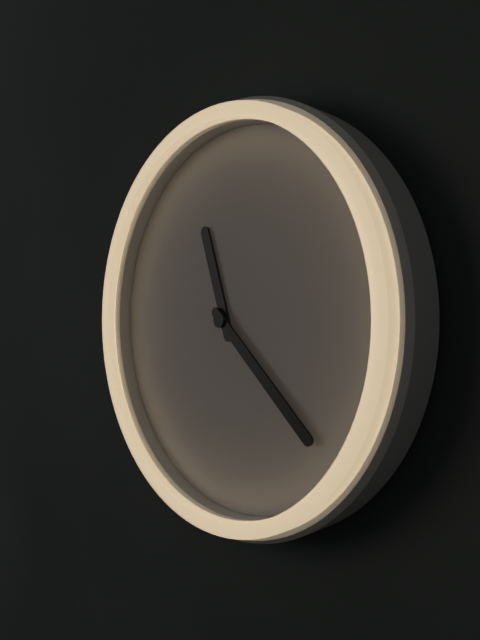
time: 11:22
